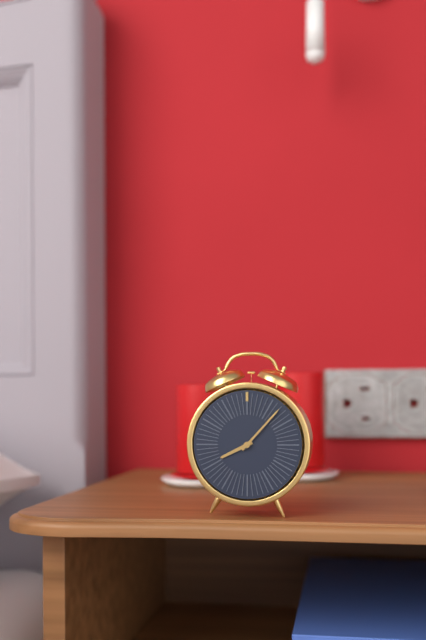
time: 8:07
